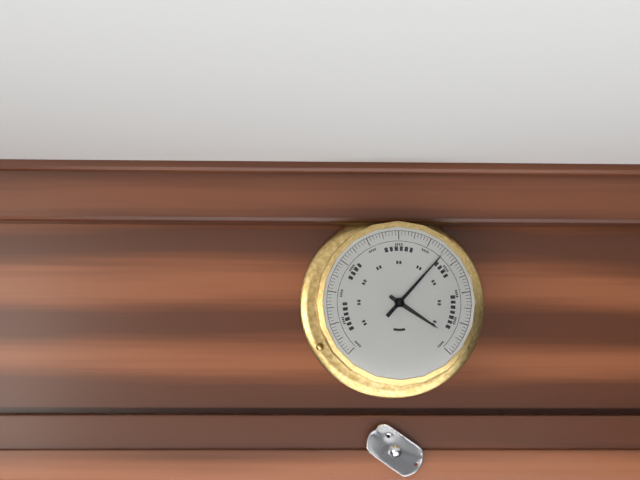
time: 4:07
